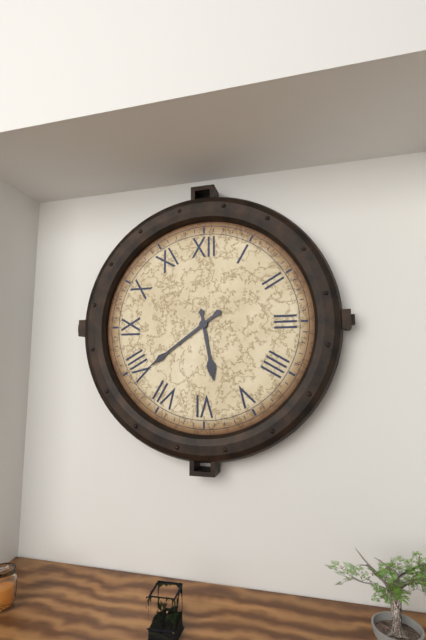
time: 5:39
